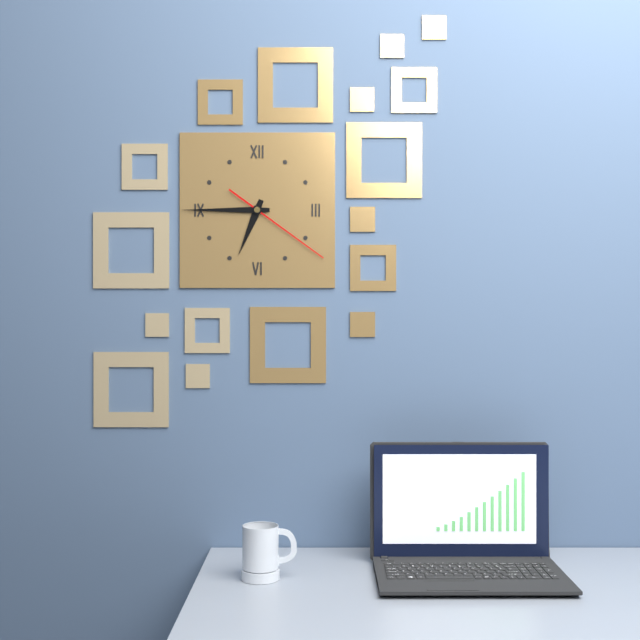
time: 6:45:21
